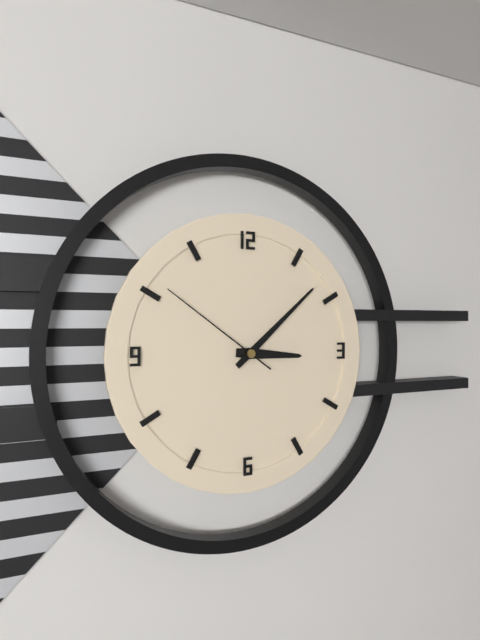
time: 3:08:51
